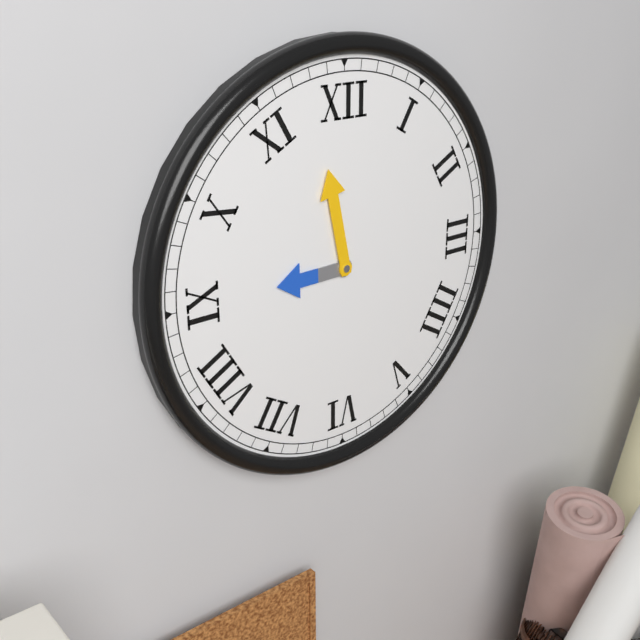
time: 8:58
